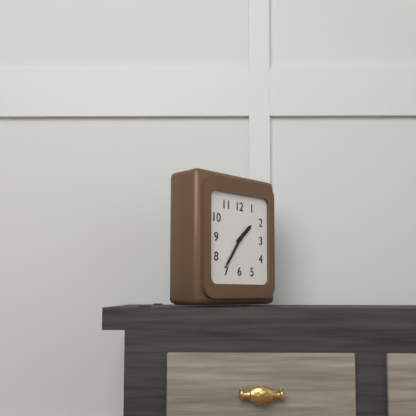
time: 1:36
